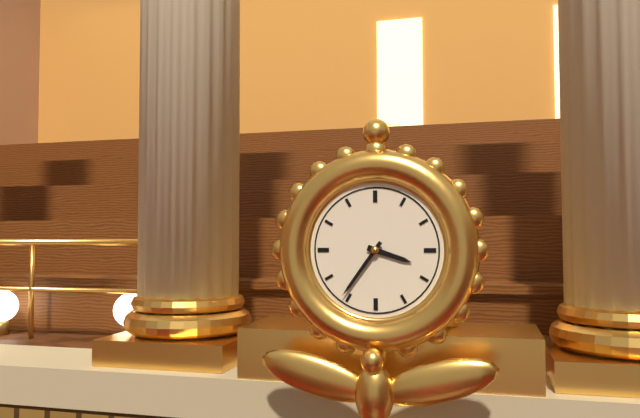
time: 3:36
